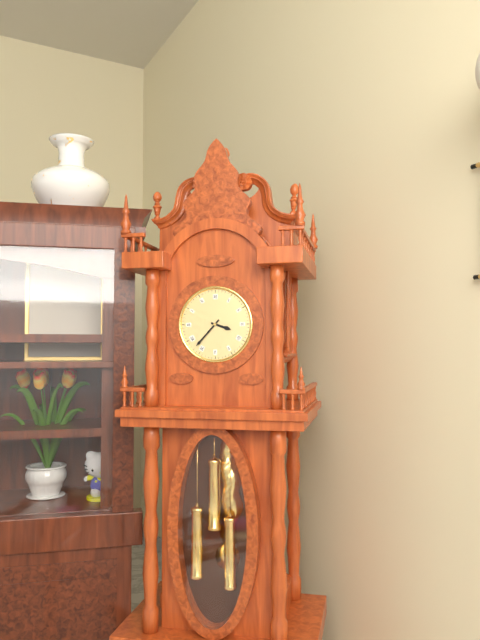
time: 3:37
